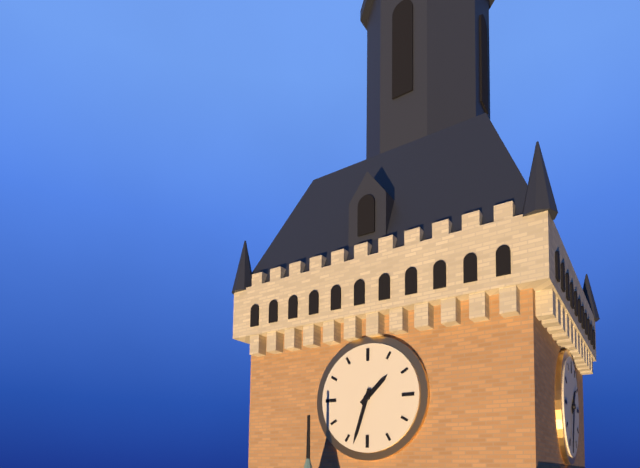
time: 1:33
